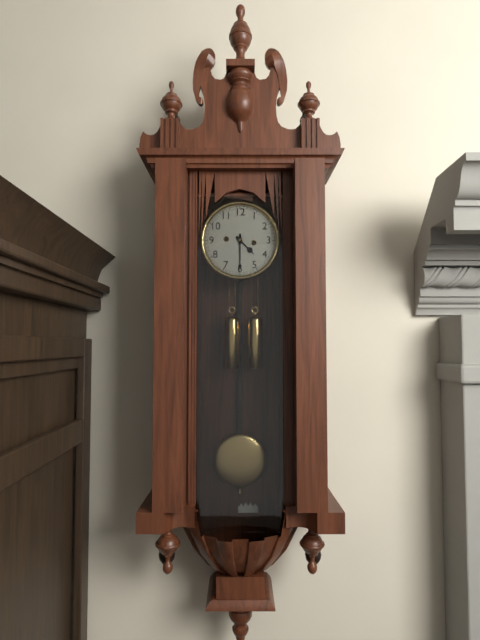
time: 4:30
